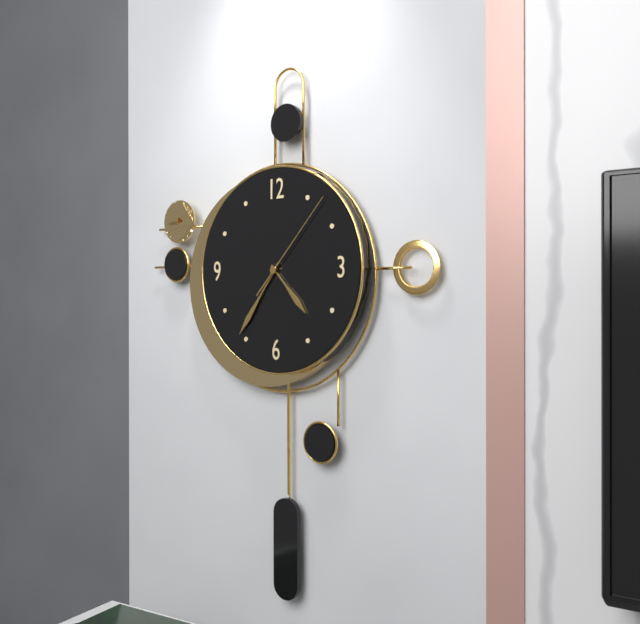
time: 4:36:07
